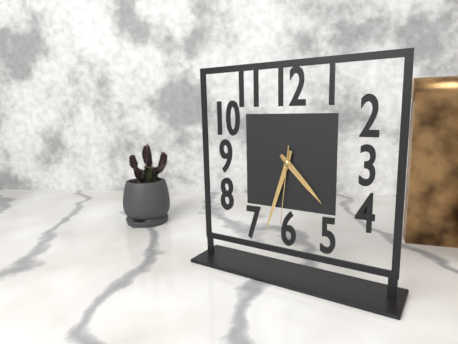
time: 4:33:31
